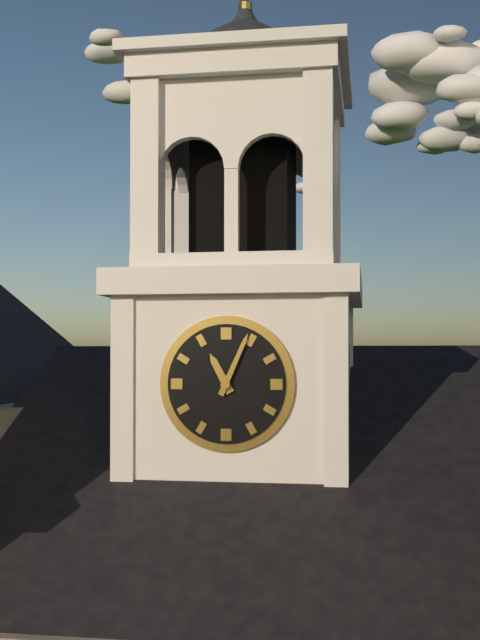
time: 11:04
